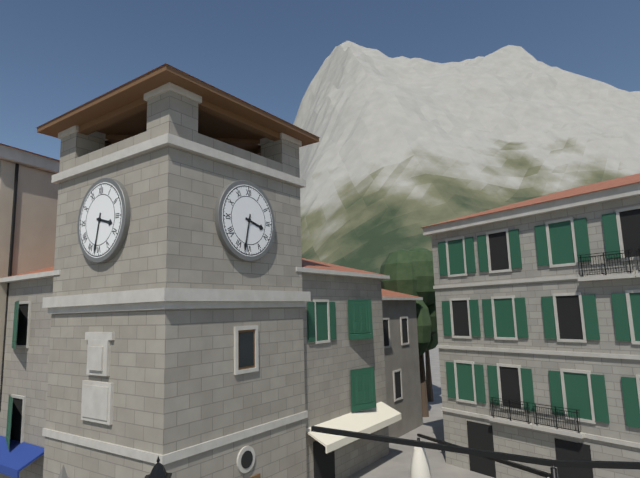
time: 3:32
